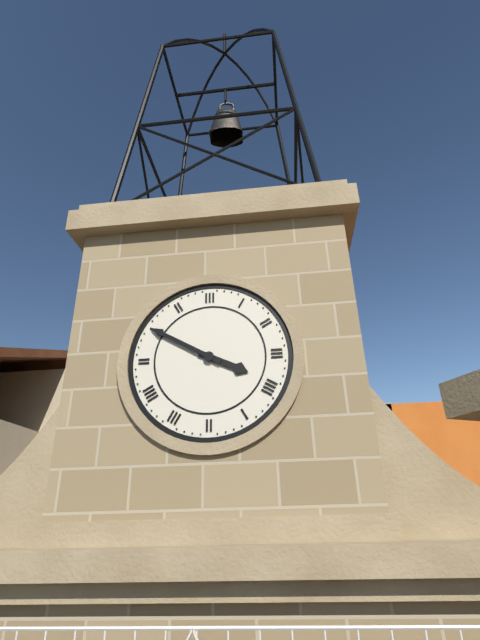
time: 3:50
